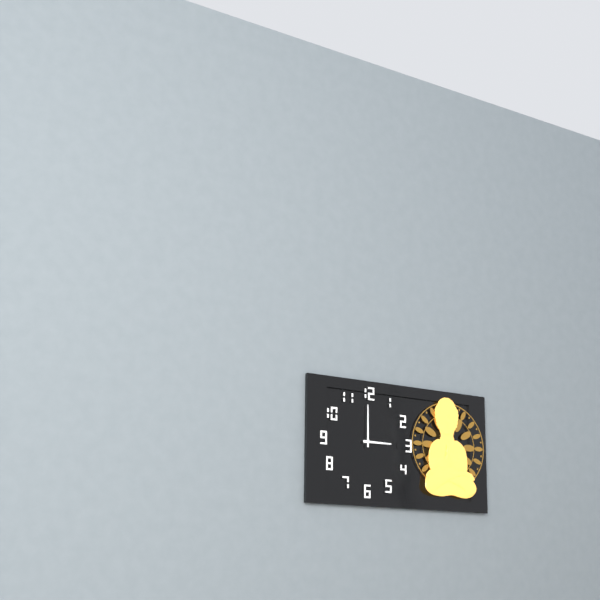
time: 3:00
